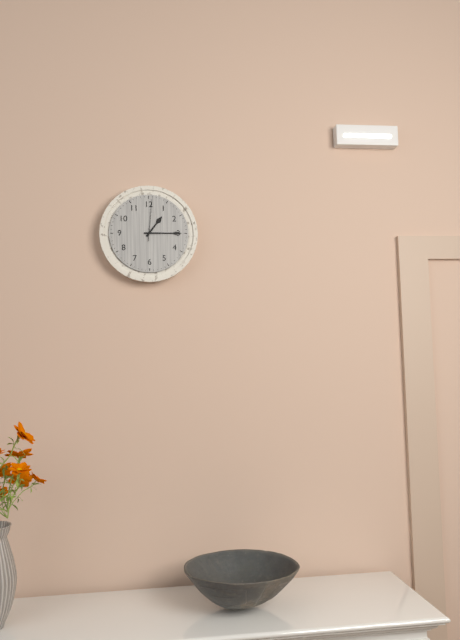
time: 1:15
